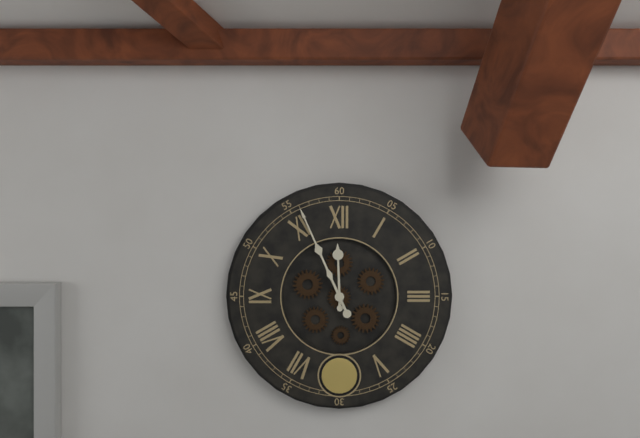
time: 11:56
